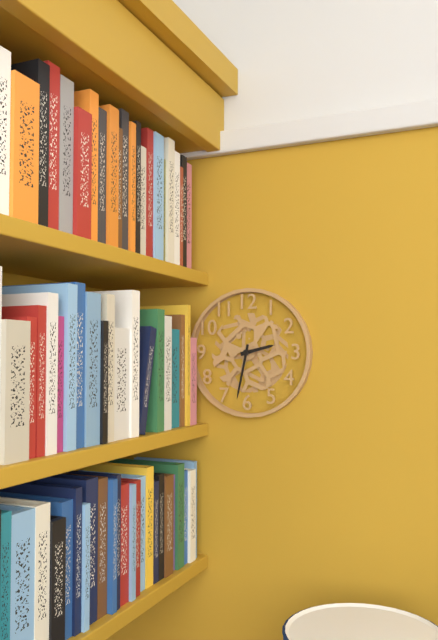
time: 2:32
